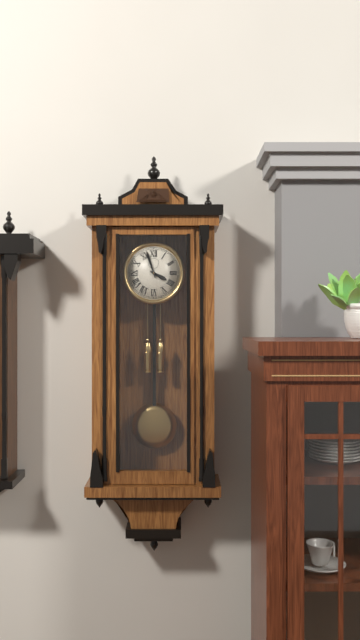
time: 3:57
